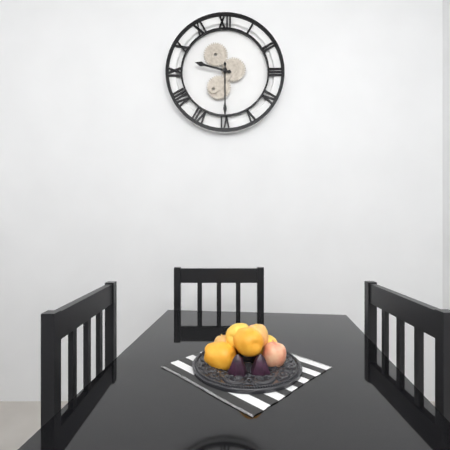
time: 9:30
